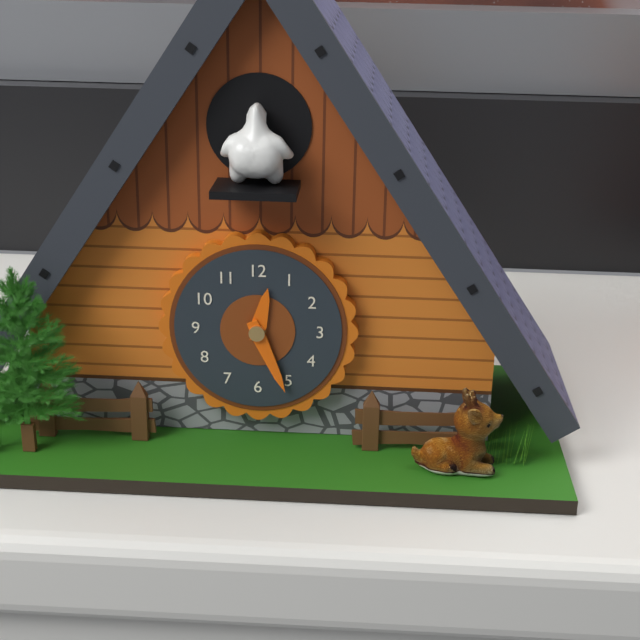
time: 12:26
